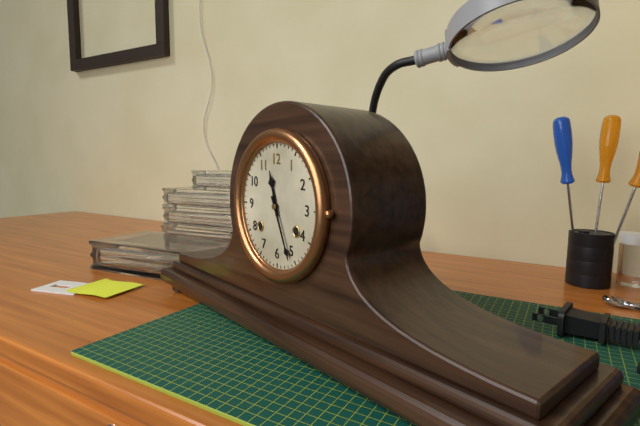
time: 11:26
